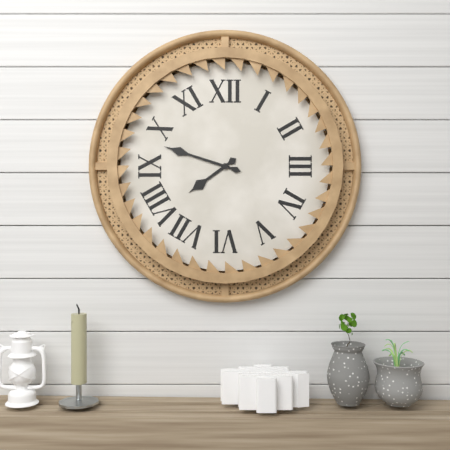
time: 7:48
